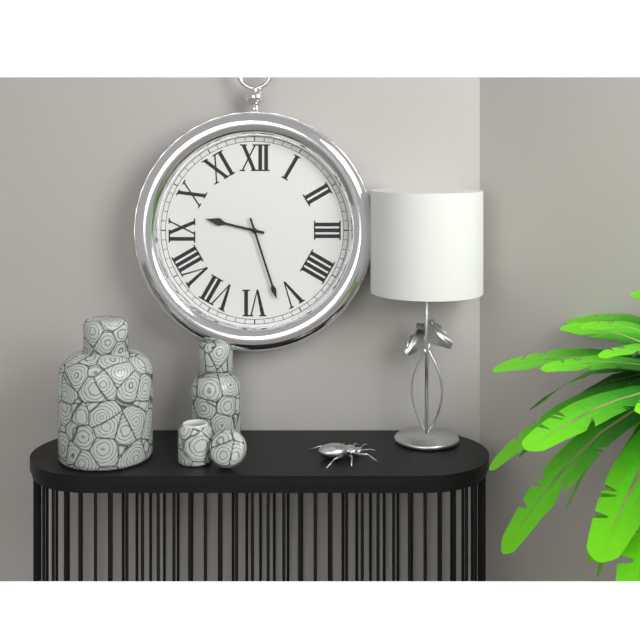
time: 9:27
